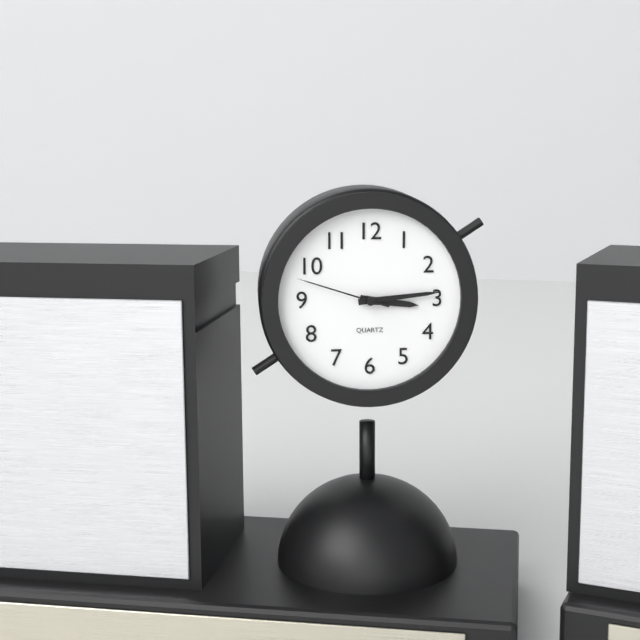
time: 3:14:48
